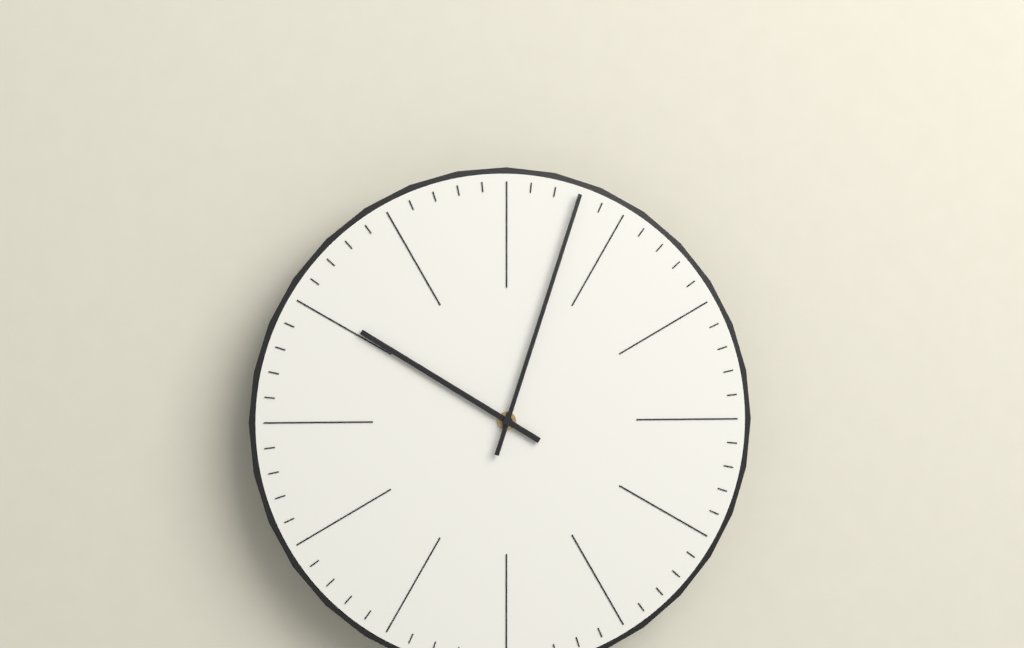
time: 10:03
